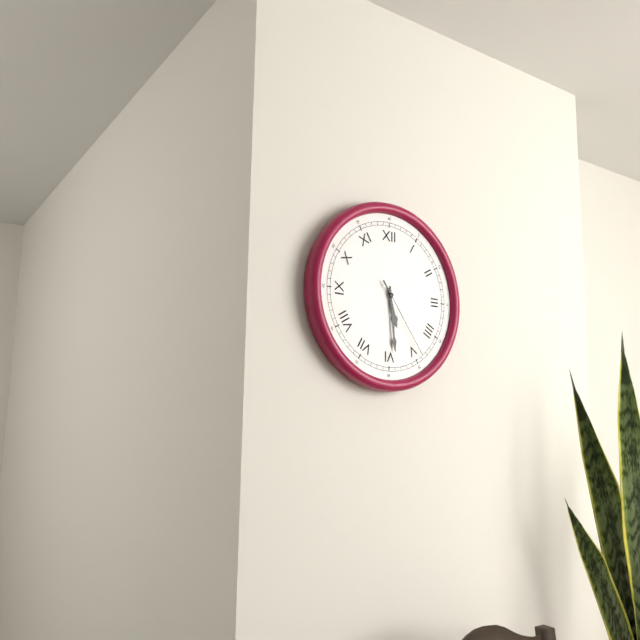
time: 5:29:24
